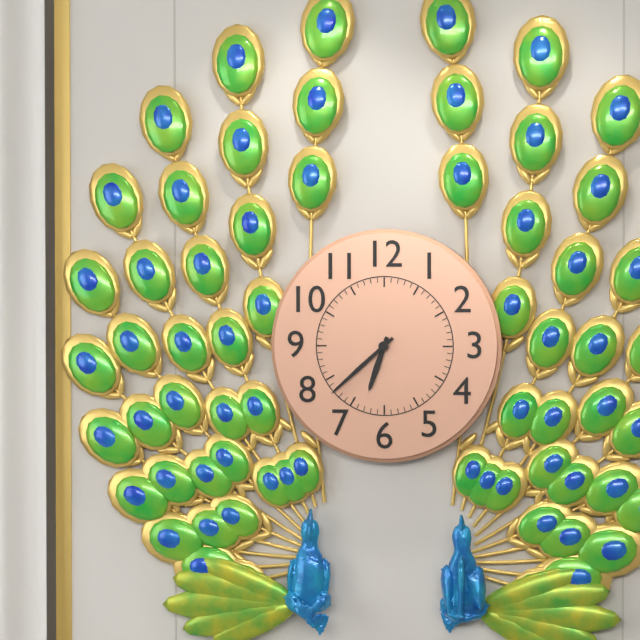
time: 6:38
